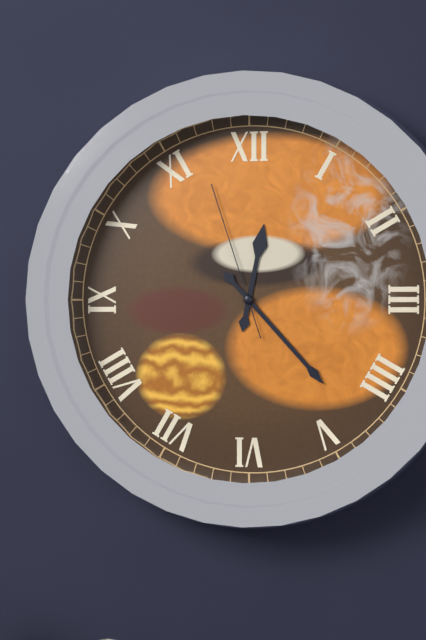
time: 12:23:57
